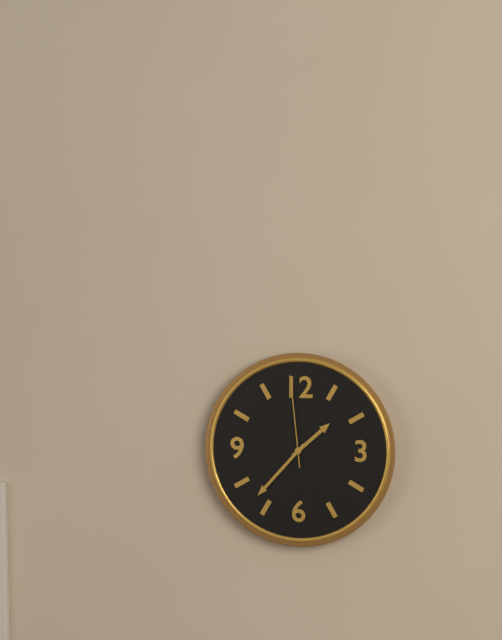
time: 1:37:59
